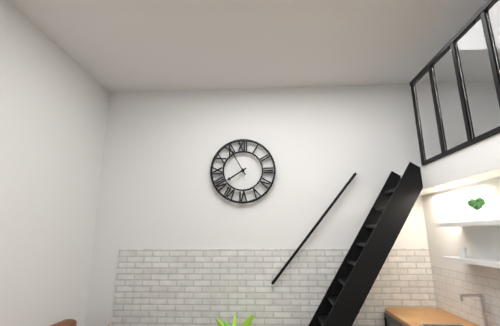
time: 7:55
